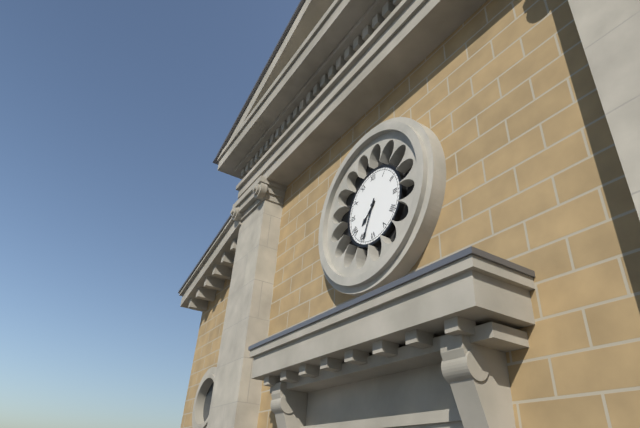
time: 7:34
